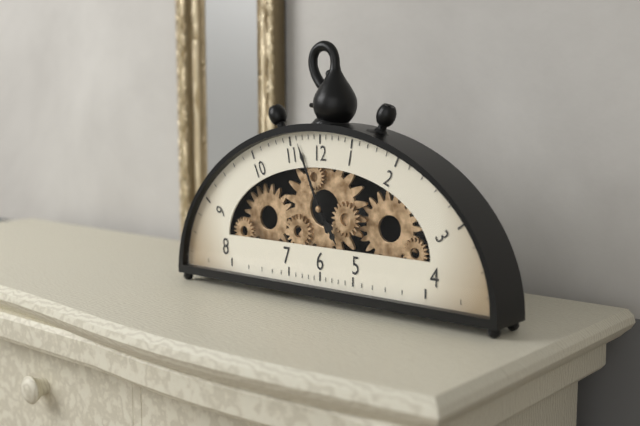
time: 4:56
